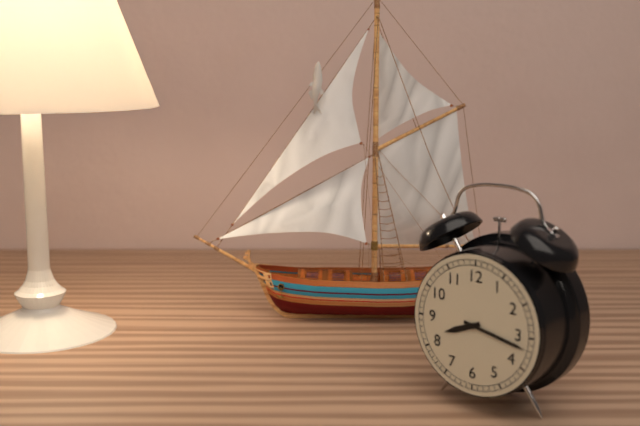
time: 8:17
